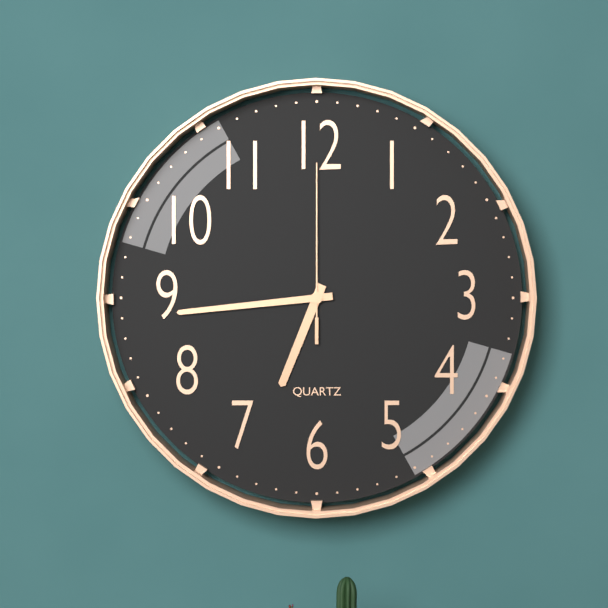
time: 6:44:00
